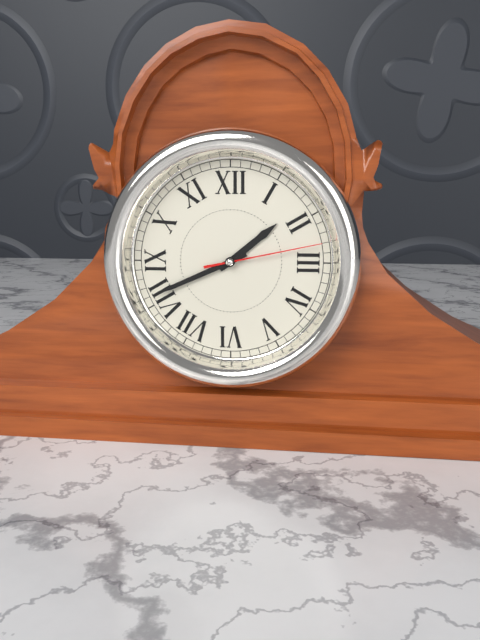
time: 1:41:13
